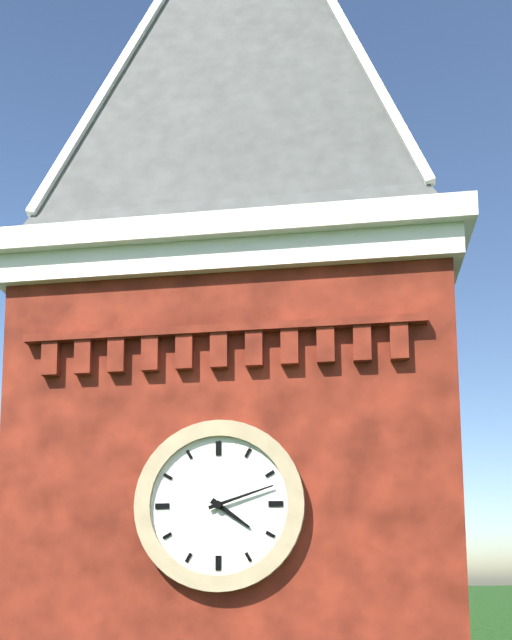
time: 4:12
